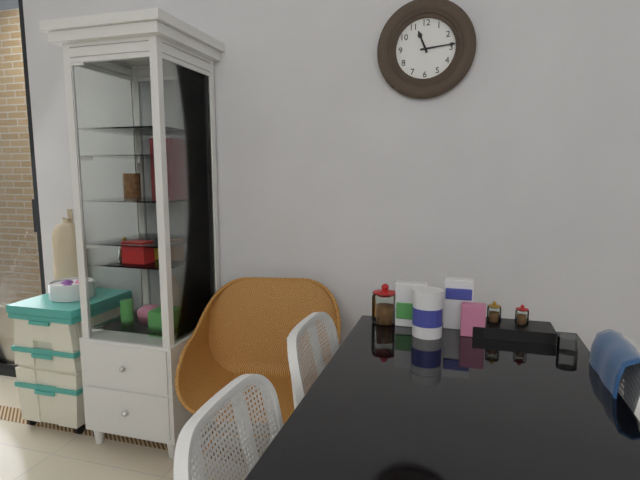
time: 11:14
